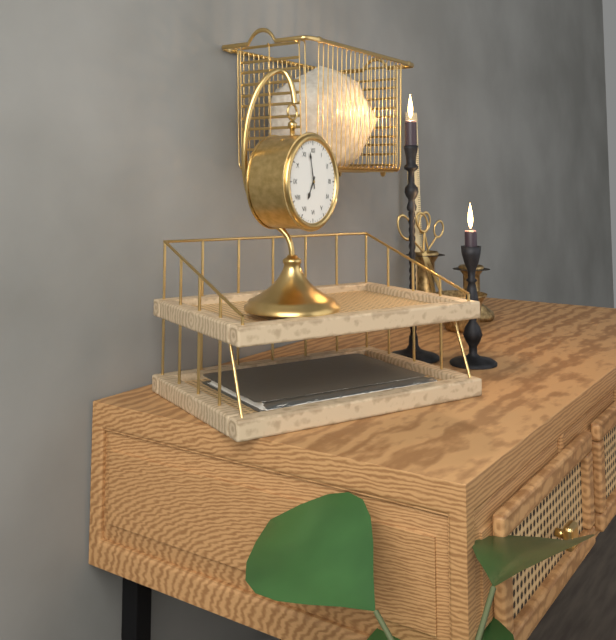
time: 6:58
